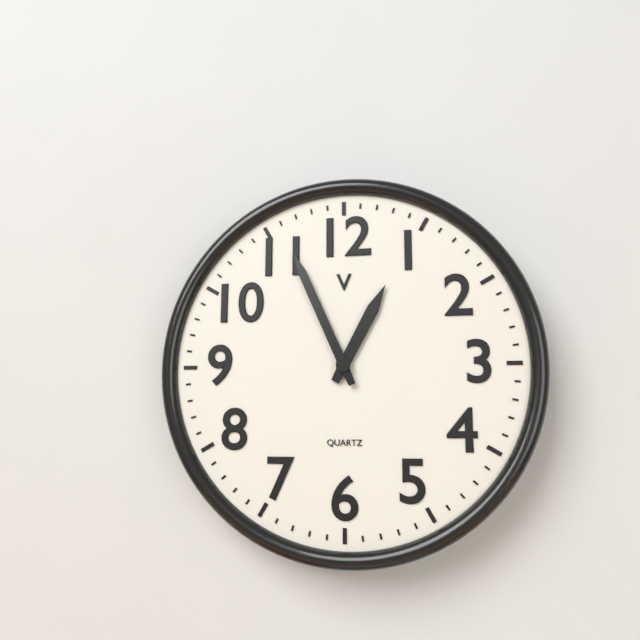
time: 12:56
